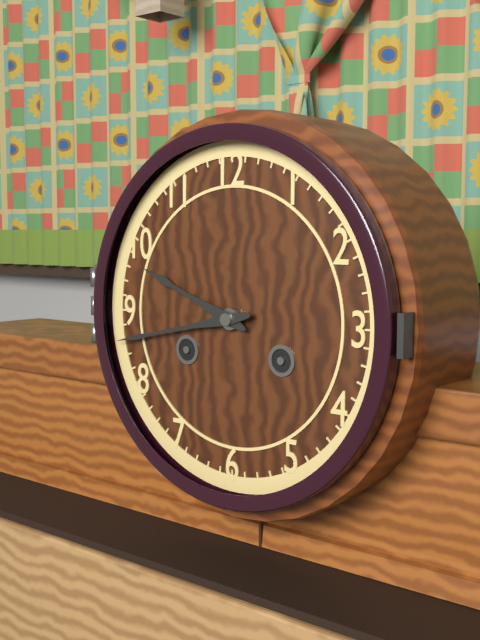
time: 9:43
